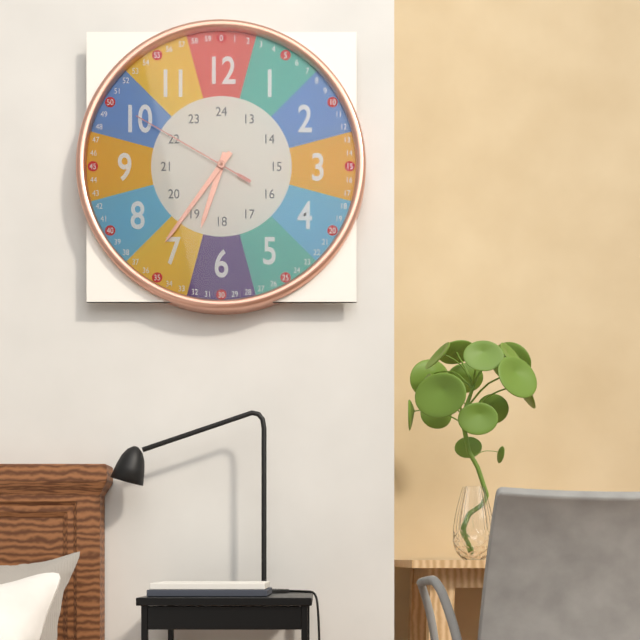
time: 6:36:50
